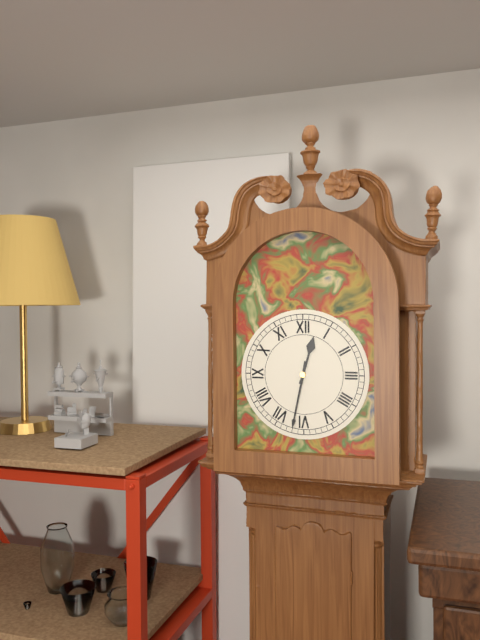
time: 12:32
